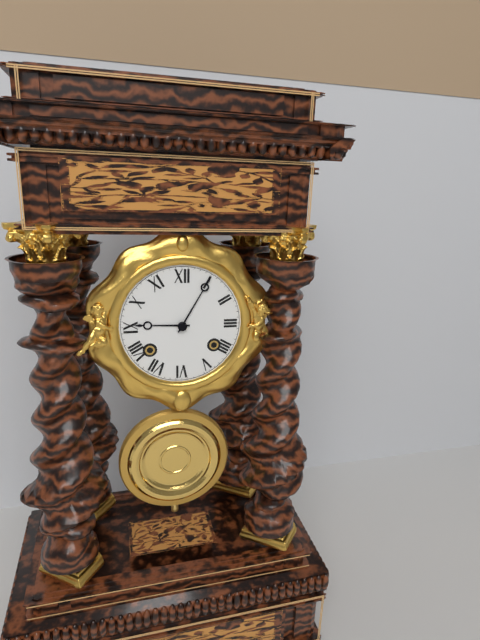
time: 9:05
